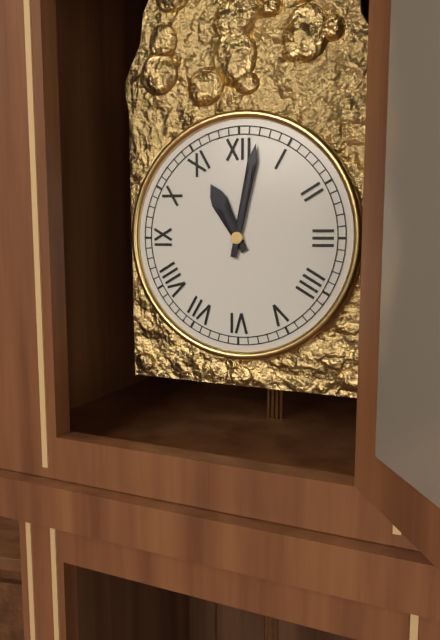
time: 11:02
